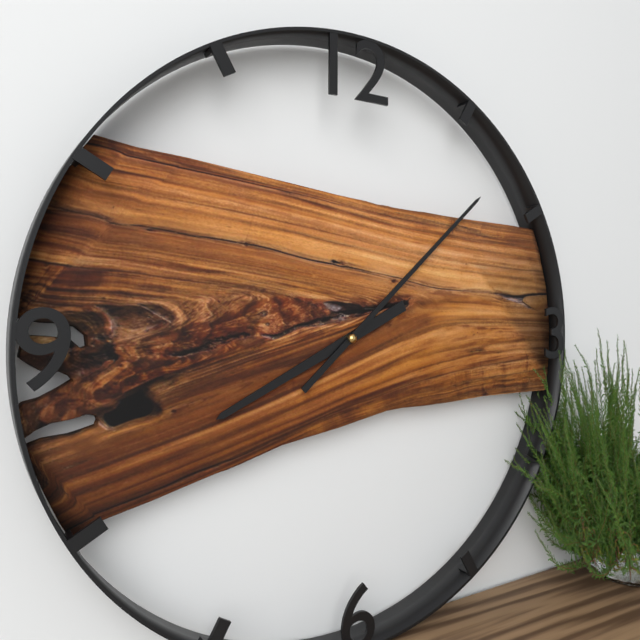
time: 8:08
